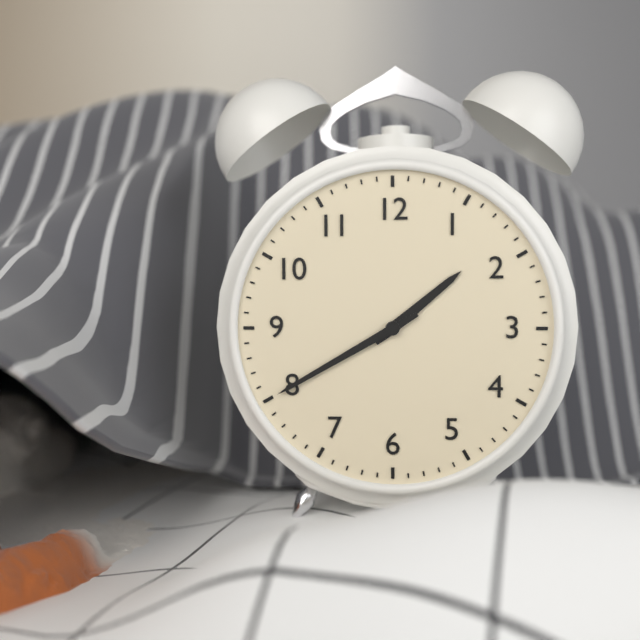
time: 1:40
